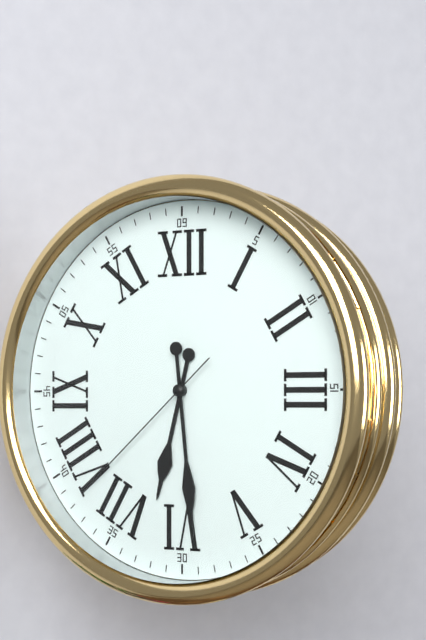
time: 6:29:38
